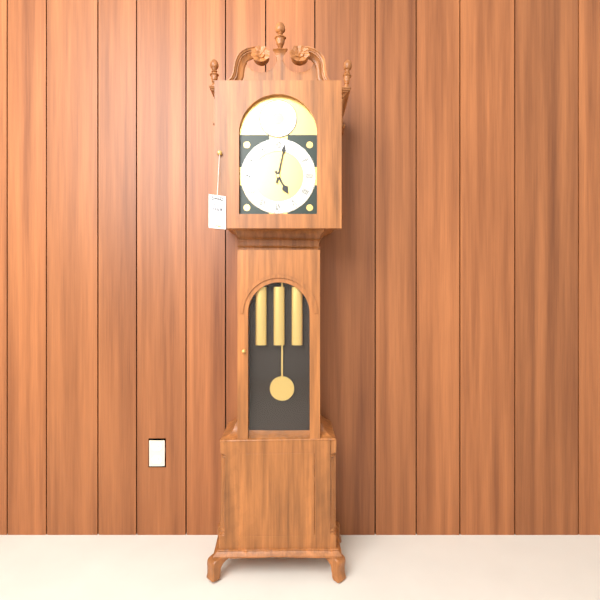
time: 5:02
